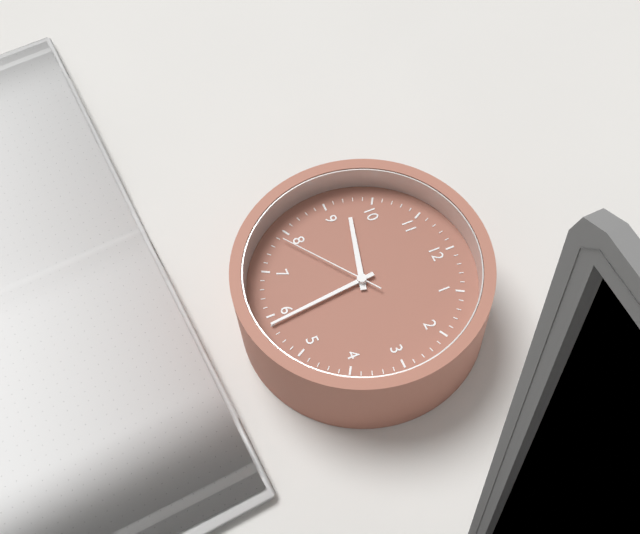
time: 9:29:39
